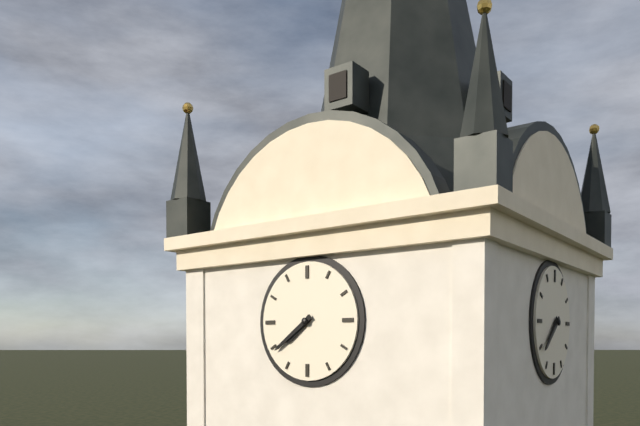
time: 7:39
